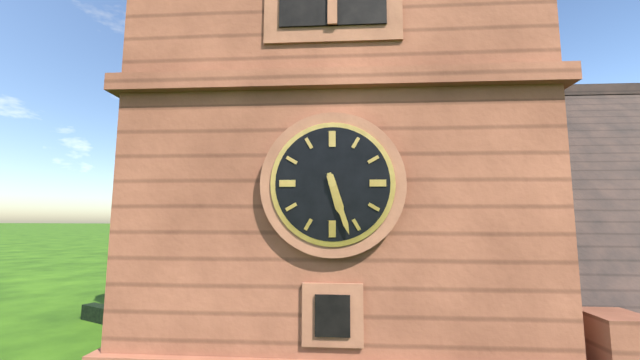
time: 5:27
